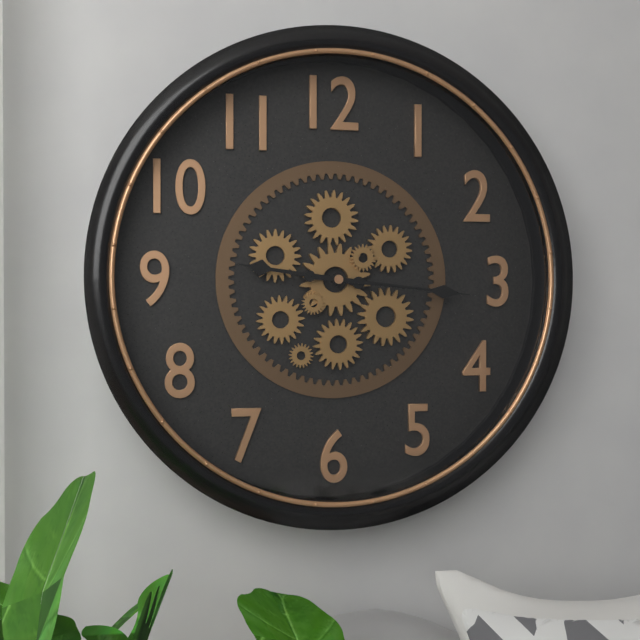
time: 9:16
